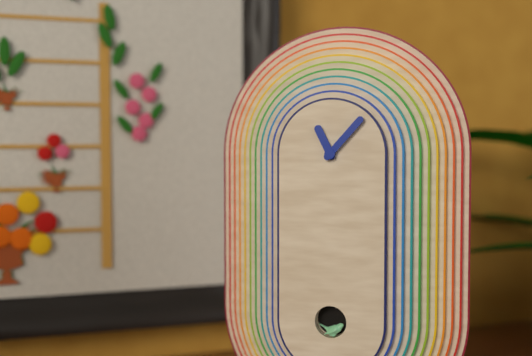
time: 11:07
